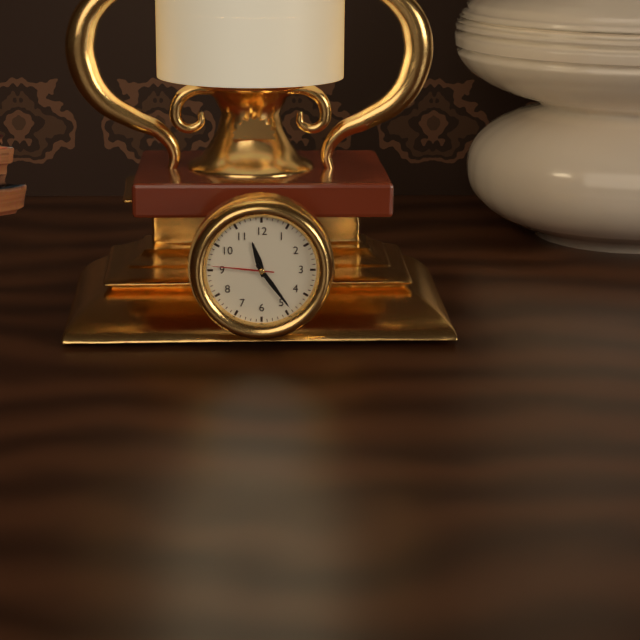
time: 11:24:46
